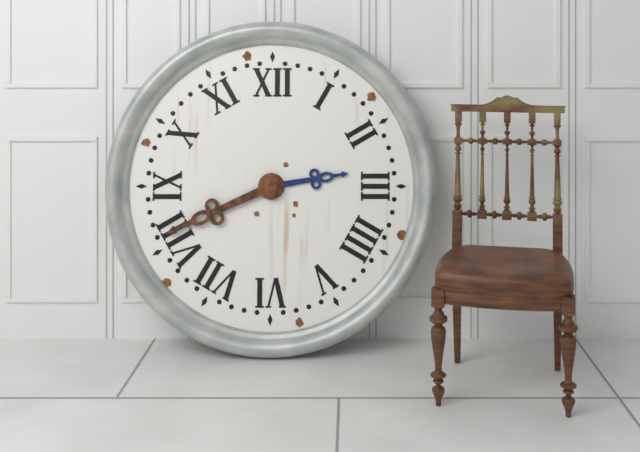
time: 2:41
